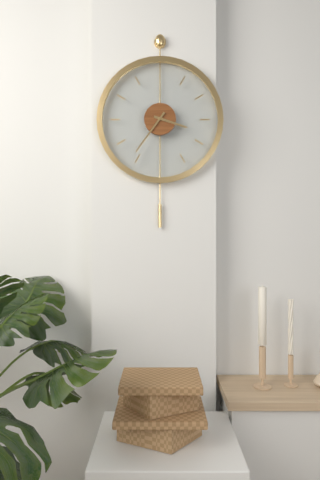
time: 3:36
